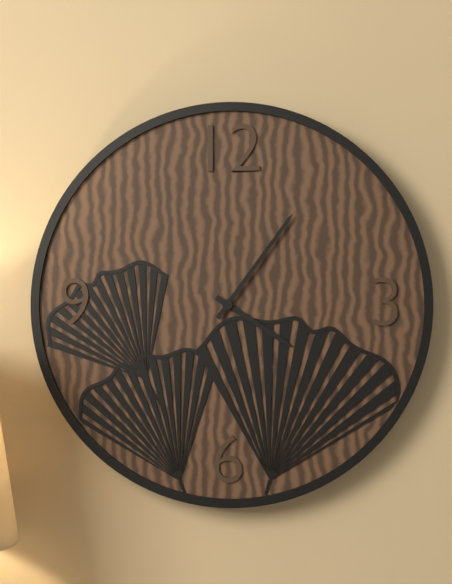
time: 4:06
